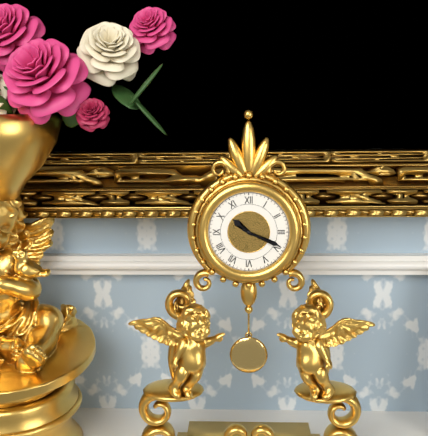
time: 10:19
